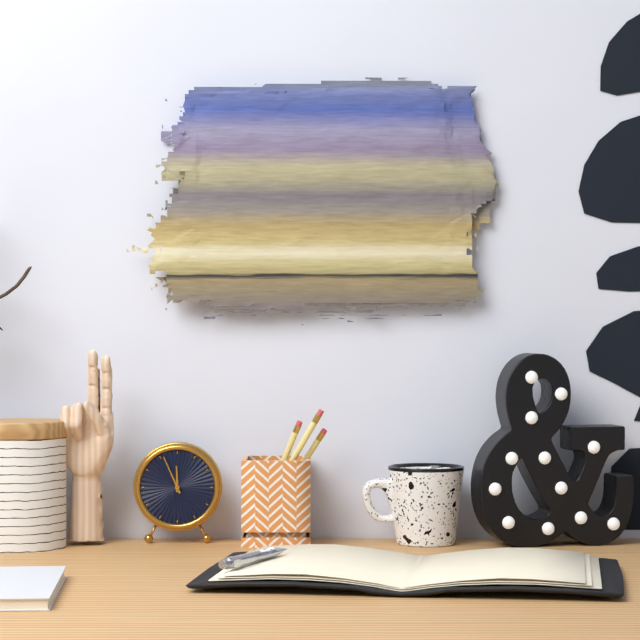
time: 11:56
